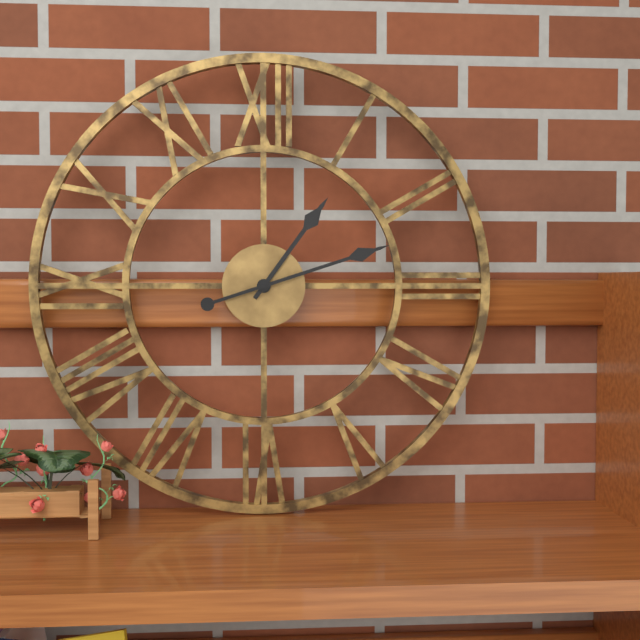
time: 1:12
